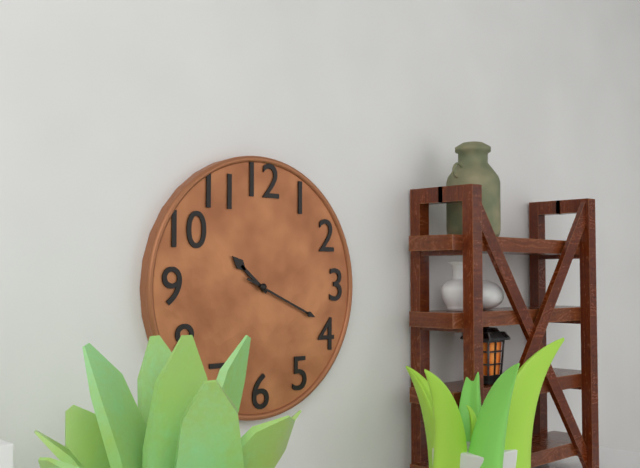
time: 10:19
